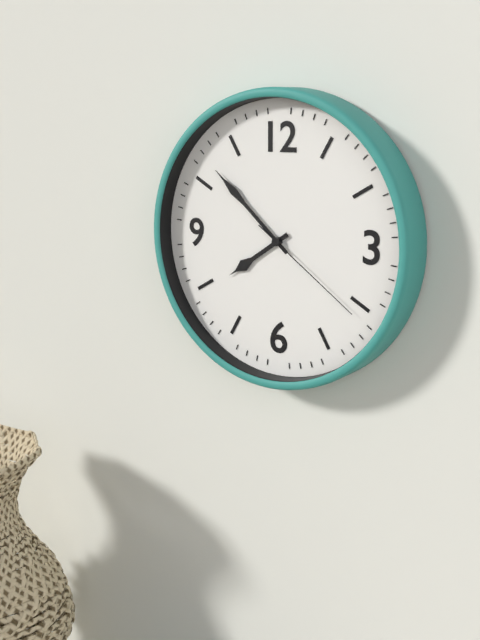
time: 7:52:21
